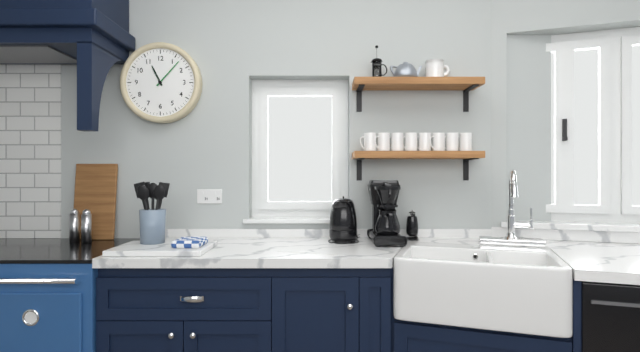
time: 11:07
